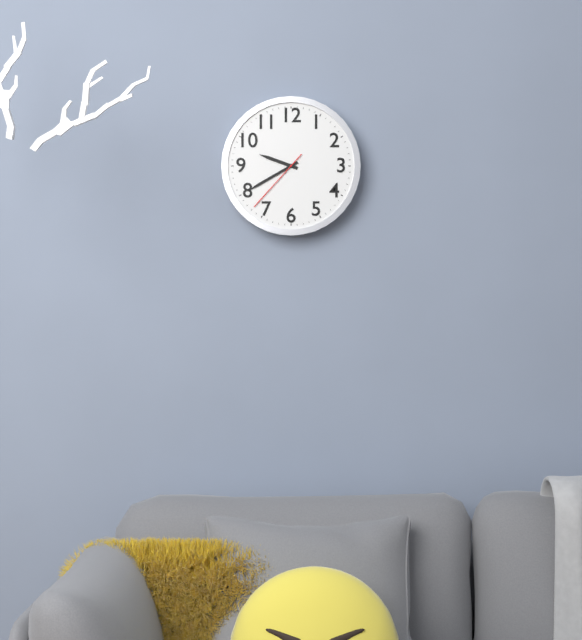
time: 9:40:37
